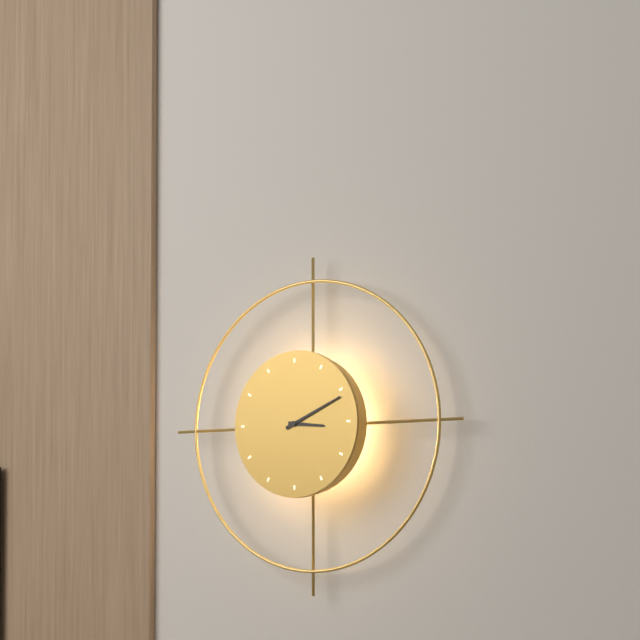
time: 3:11
